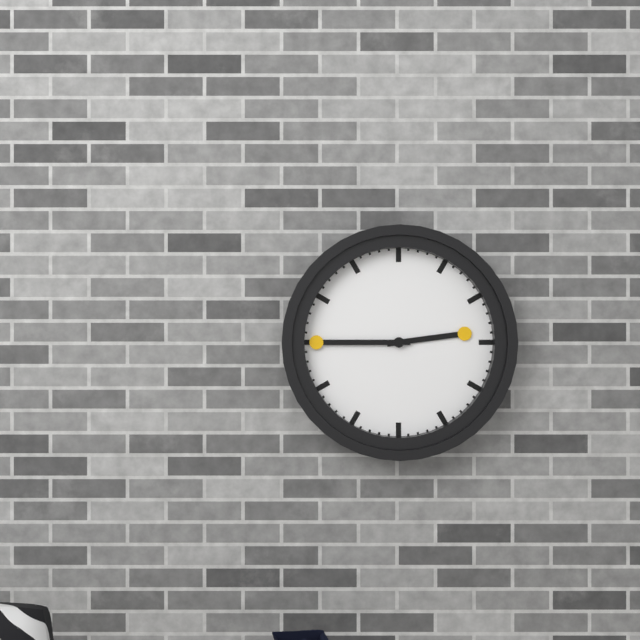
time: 2:45
